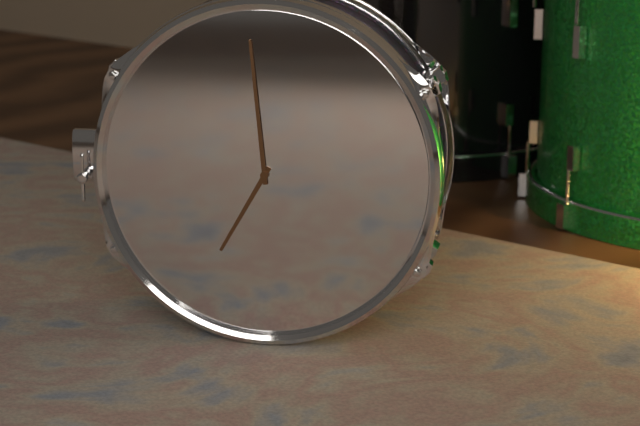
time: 6:59
